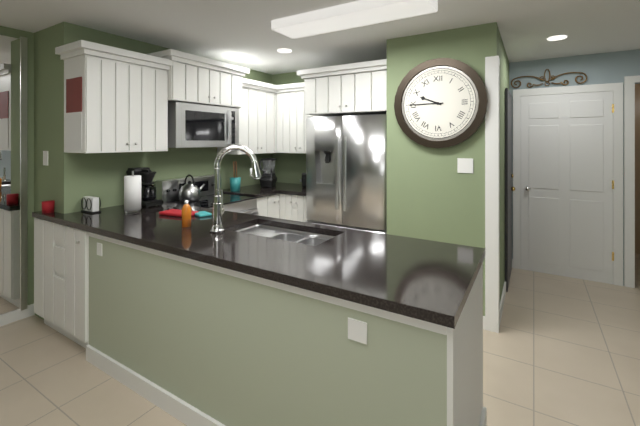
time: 9:45
